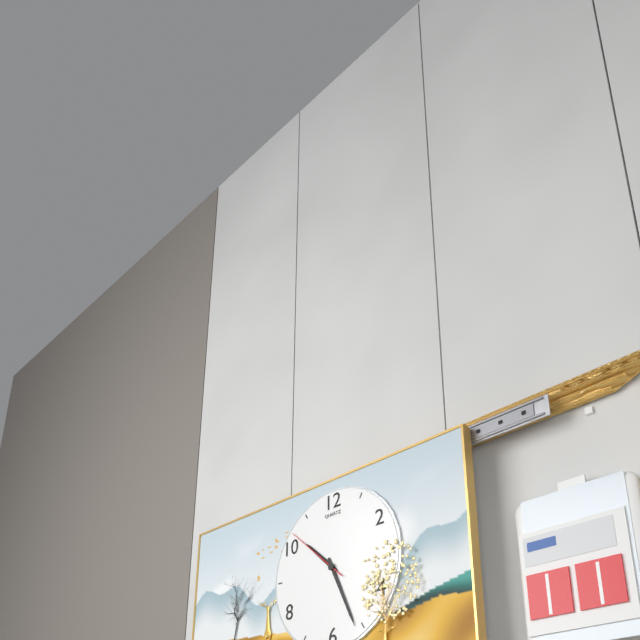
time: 10:26:52
